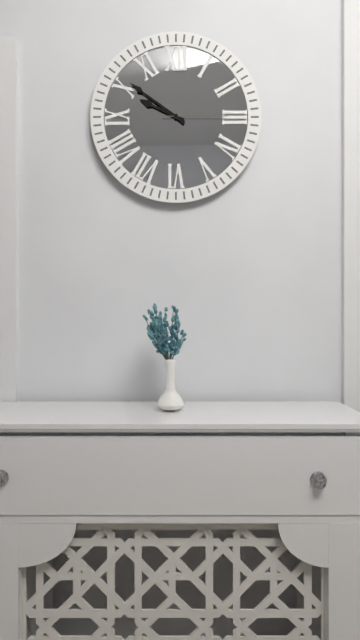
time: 9:51:15
